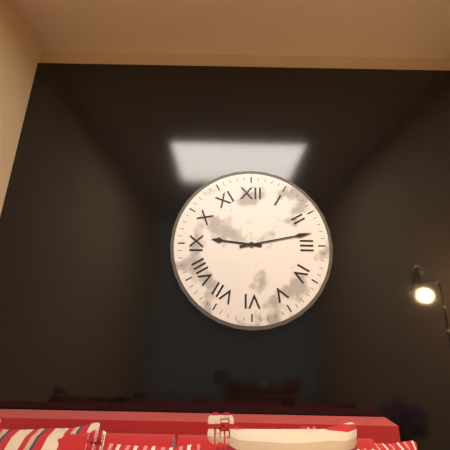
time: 9:13
